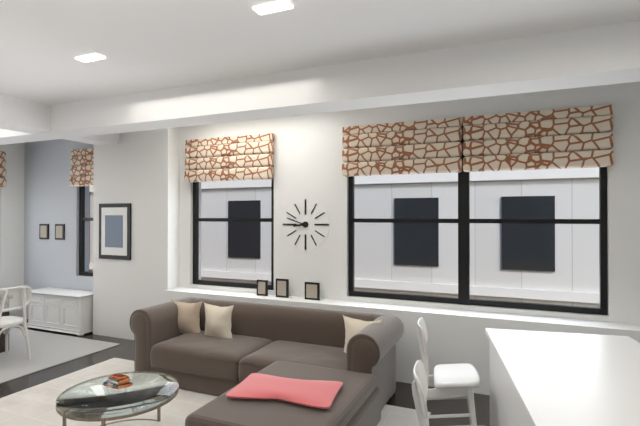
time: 8:48
